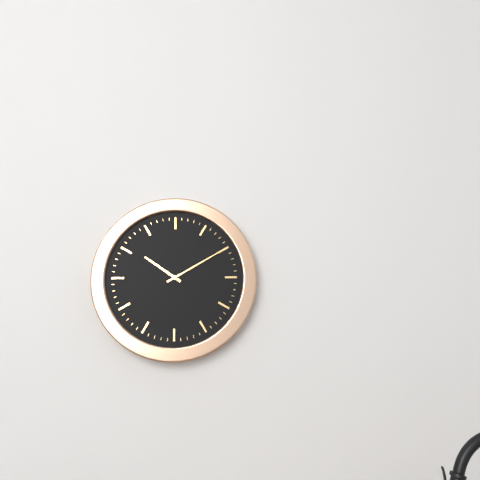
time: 10:10
